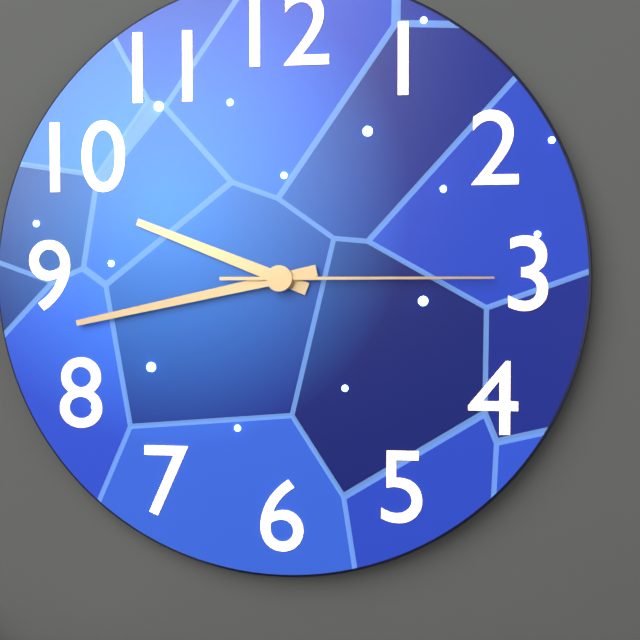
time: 9:43:15
